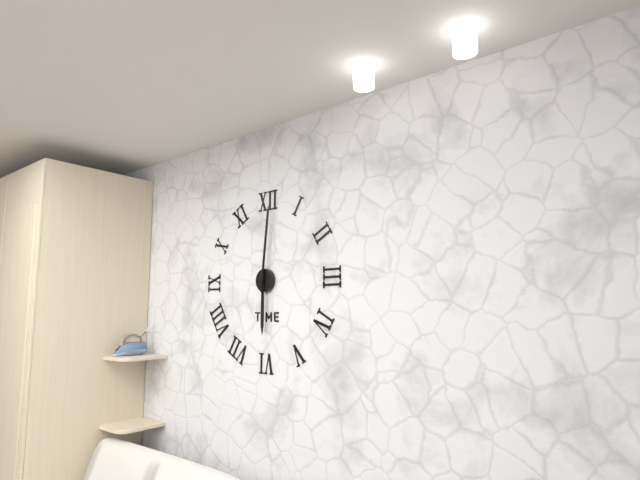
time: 6:01
